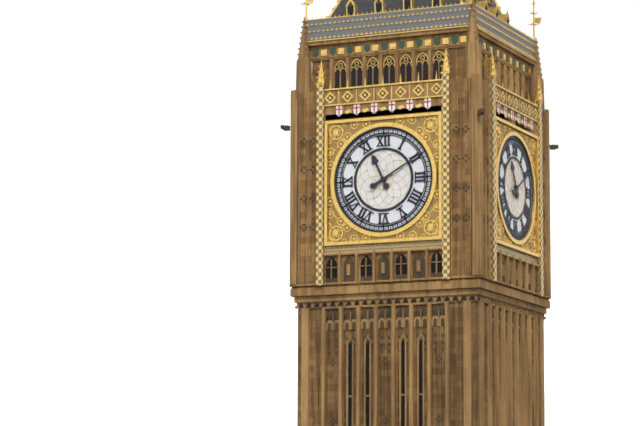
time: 11:10
